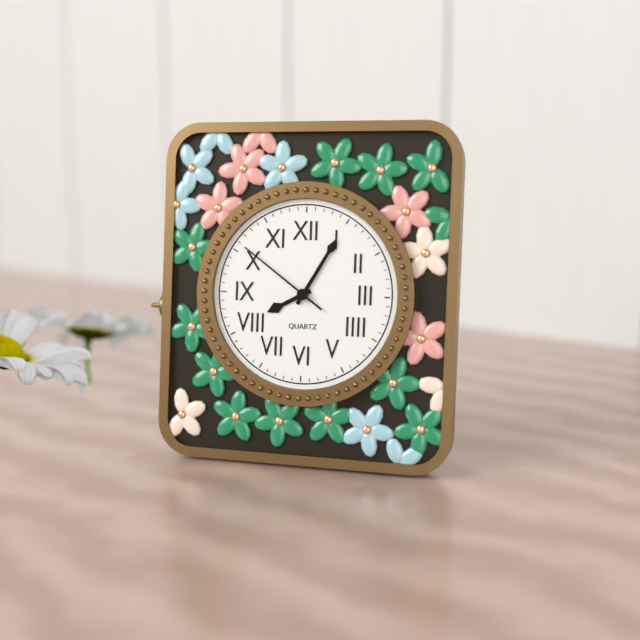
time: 8:05:51
